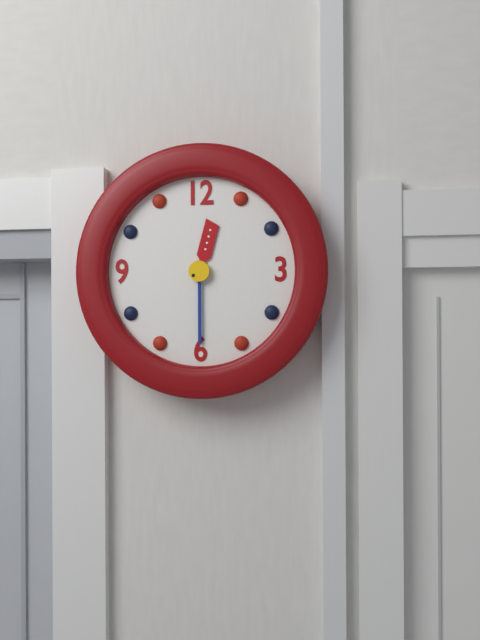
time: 12:30
